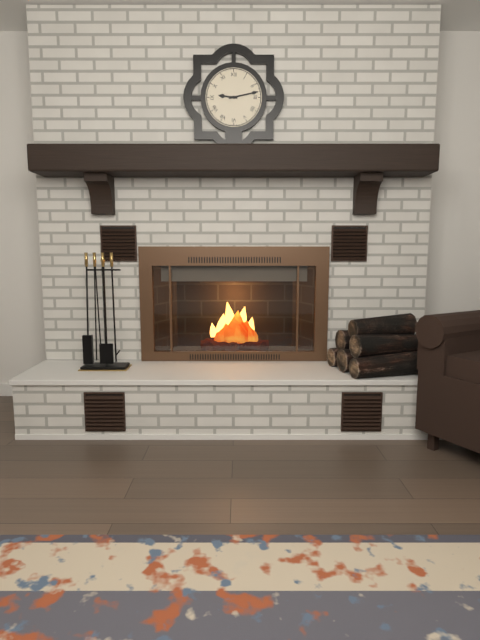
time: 9:13
